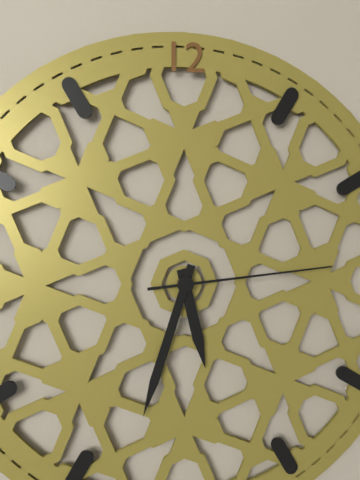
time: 5:33:14
